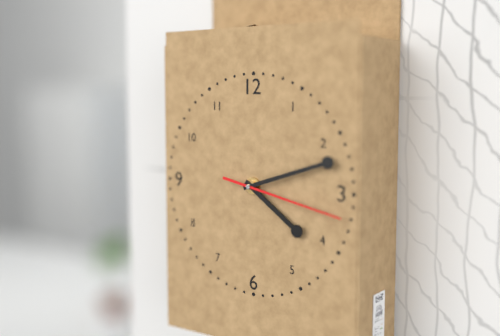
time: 4:12:17
